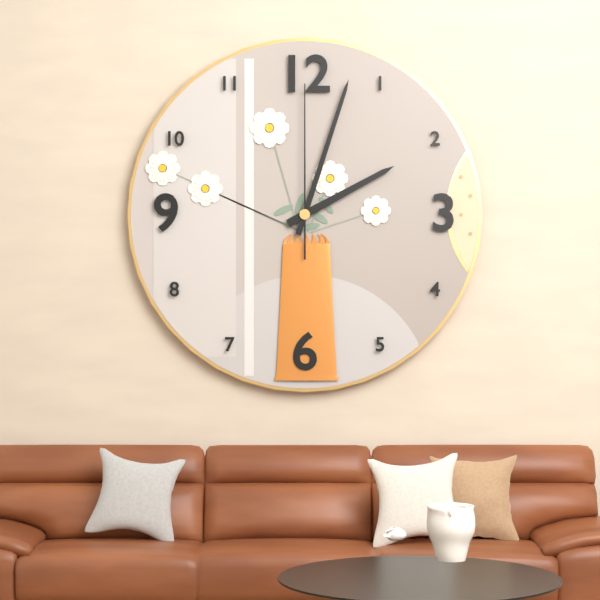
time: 2:03:00
